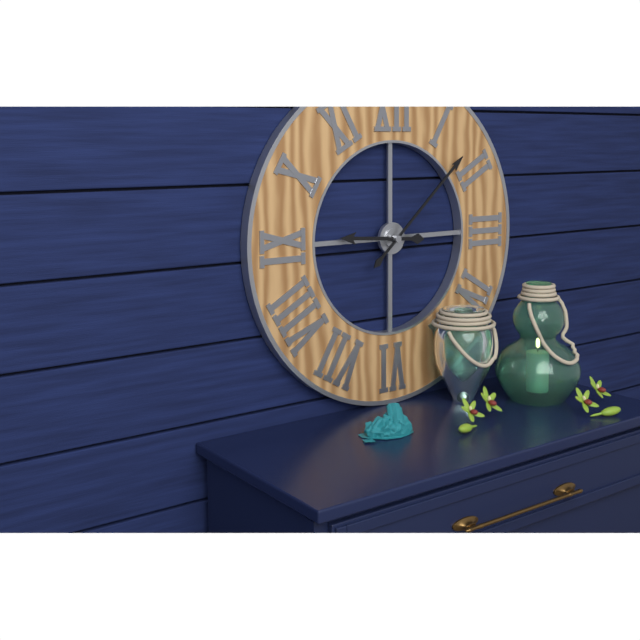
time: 9:08
